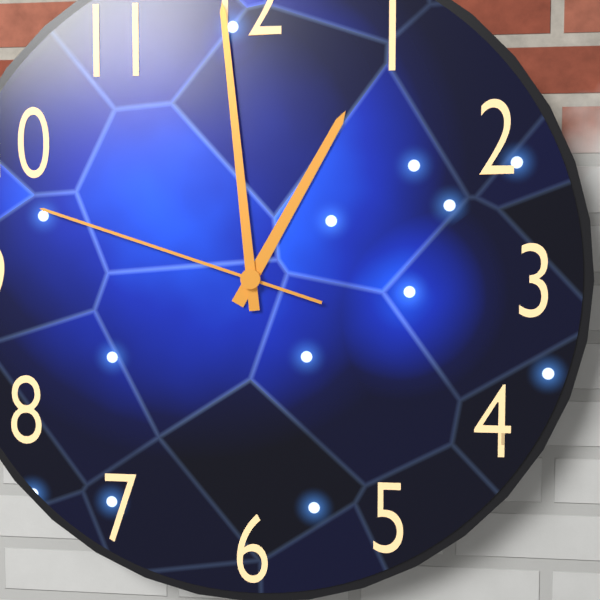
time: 12:59:48
